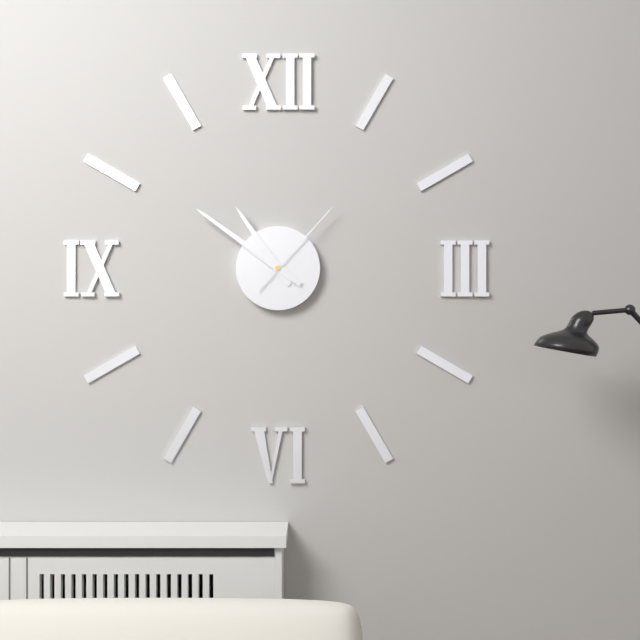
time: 10:51:07
